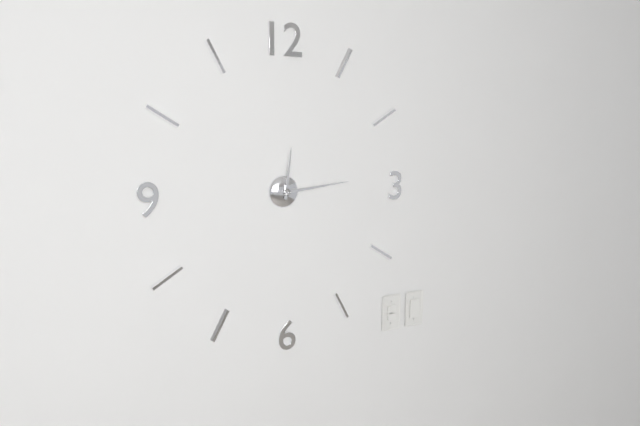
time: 12:14
